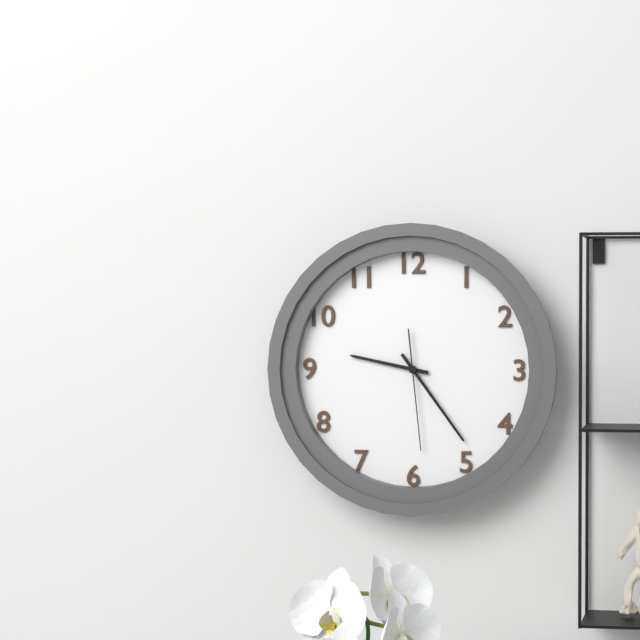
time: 9:24:29
